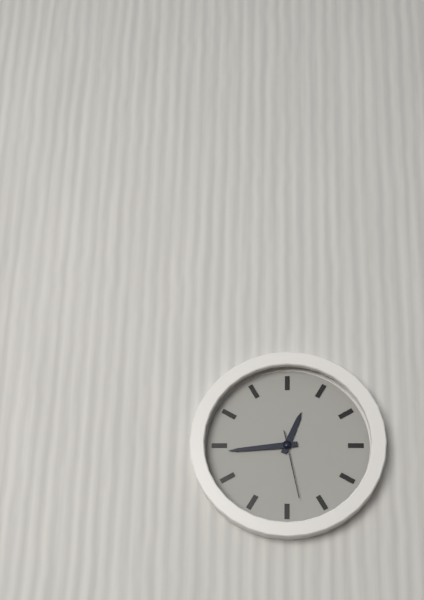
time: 12:44:28
